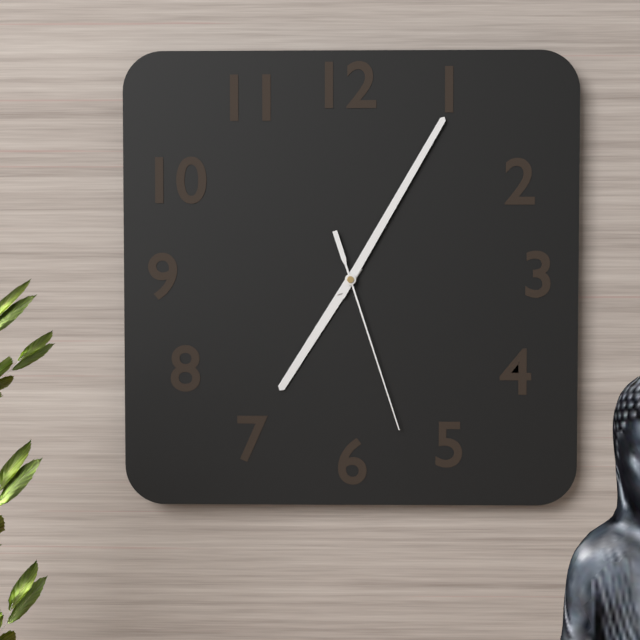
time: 7:05:27
